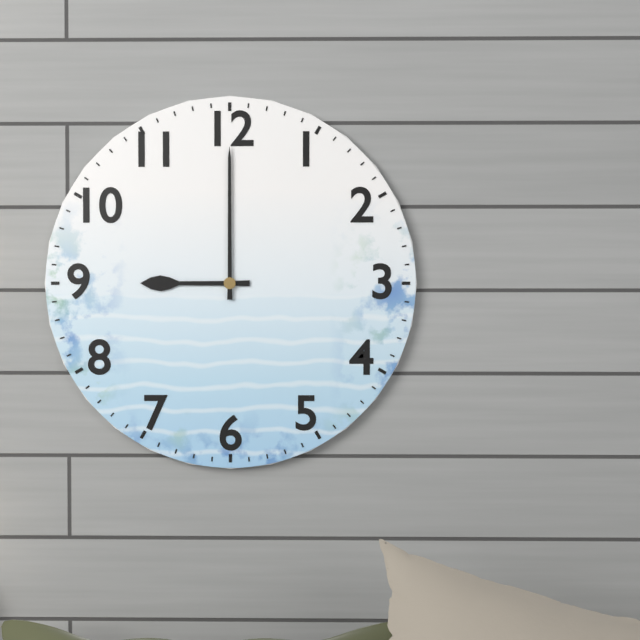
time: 9:00
